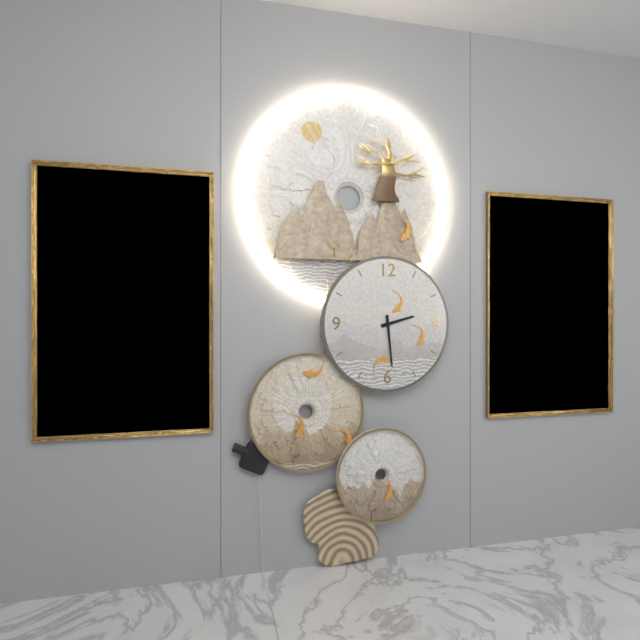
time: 2:29
